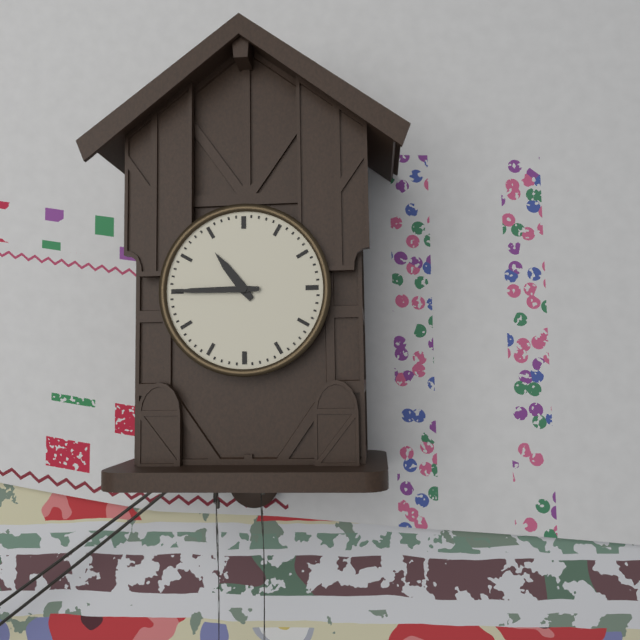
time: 10:45
